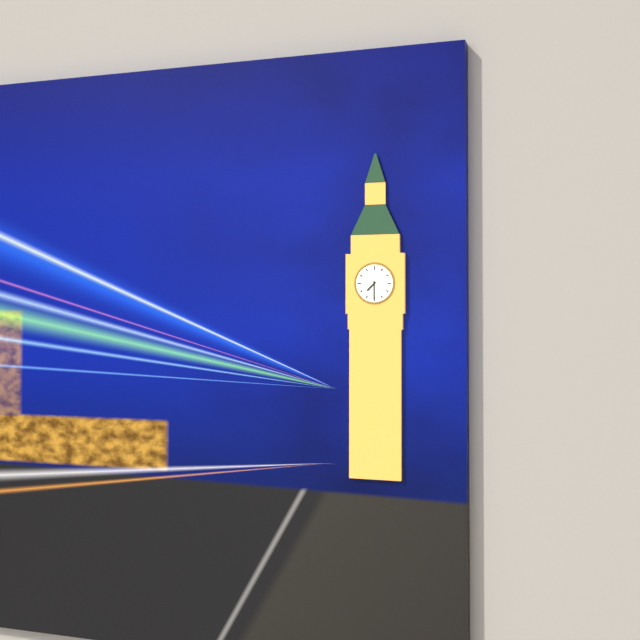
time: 7:30
